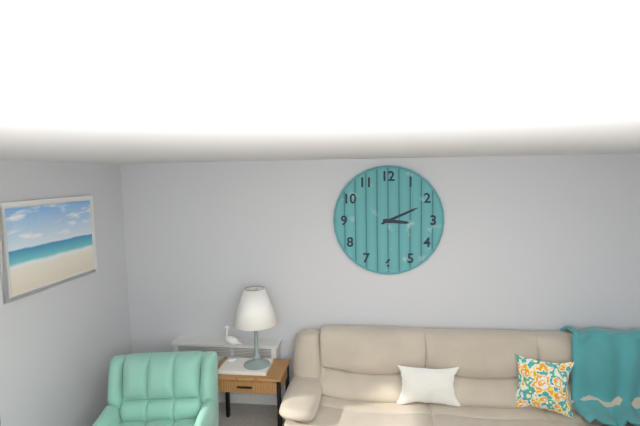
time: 3:11
